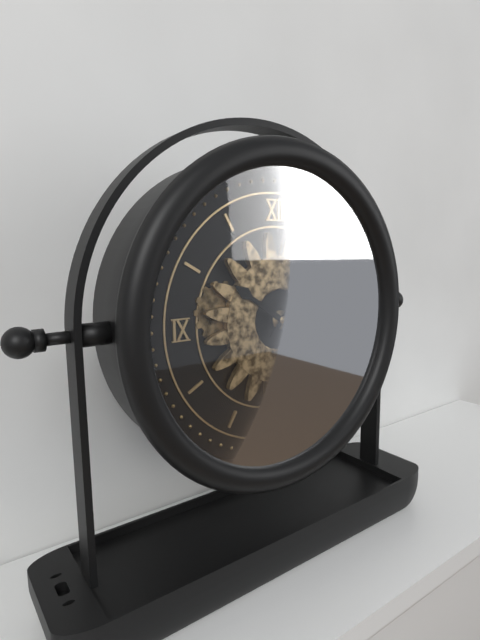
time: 10:07
